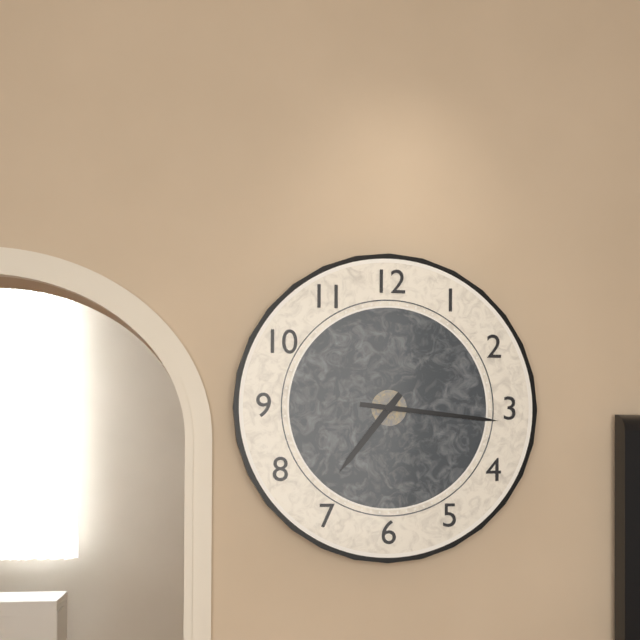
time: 7:16
